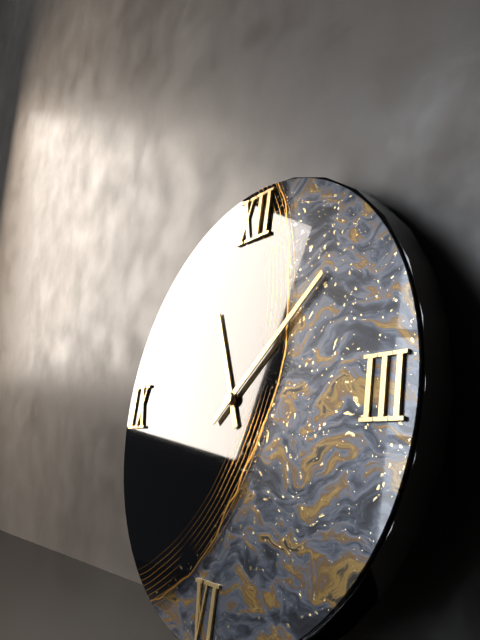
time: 11:08
